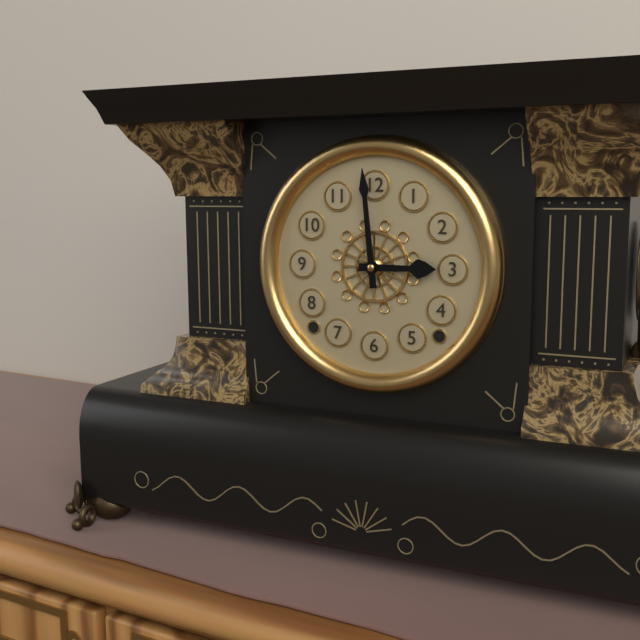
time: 2:59
